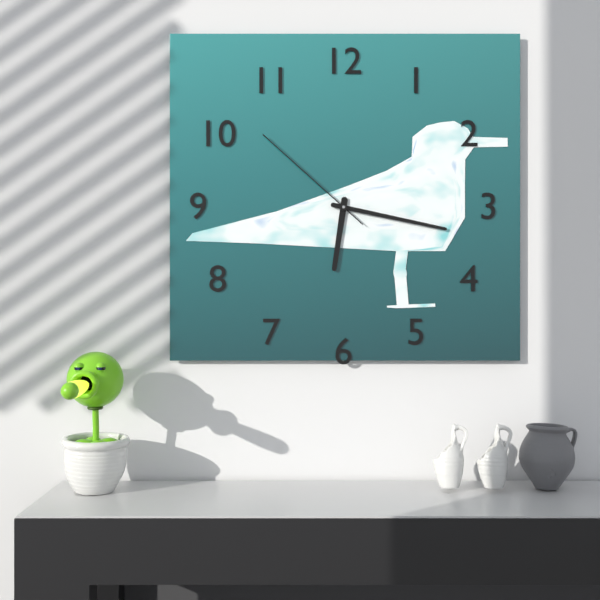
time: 6:17:52
